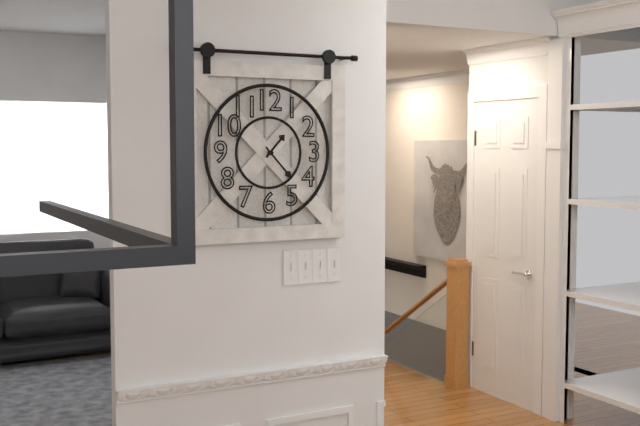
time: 1:23
